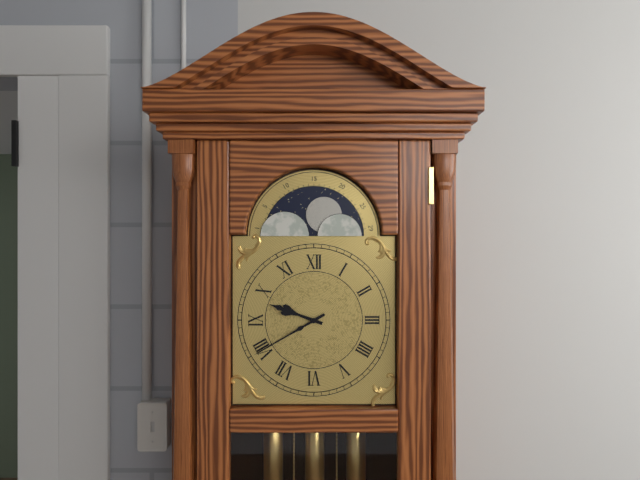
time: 9:40
